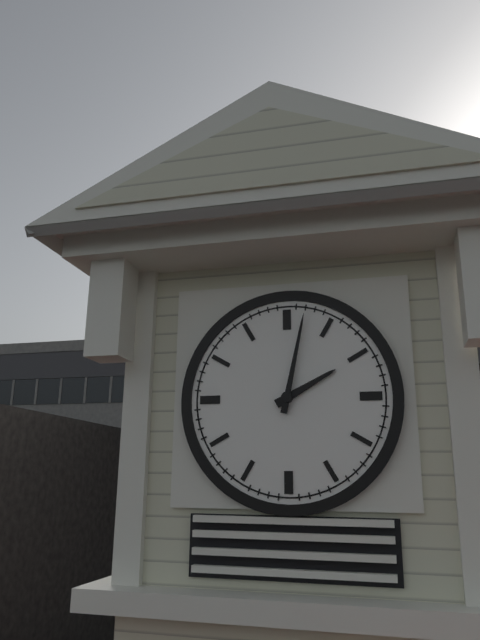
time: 2:02
